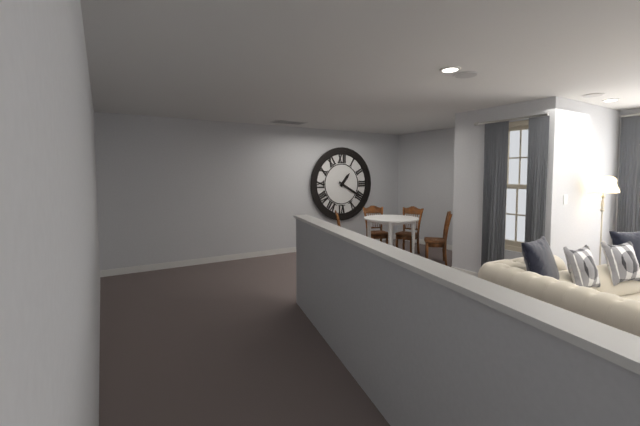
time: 1:20
